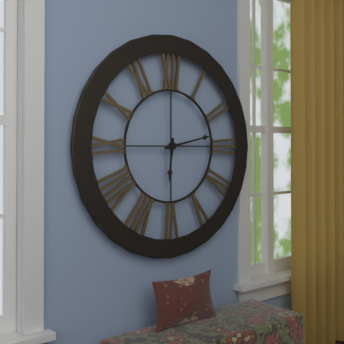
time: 6:13
